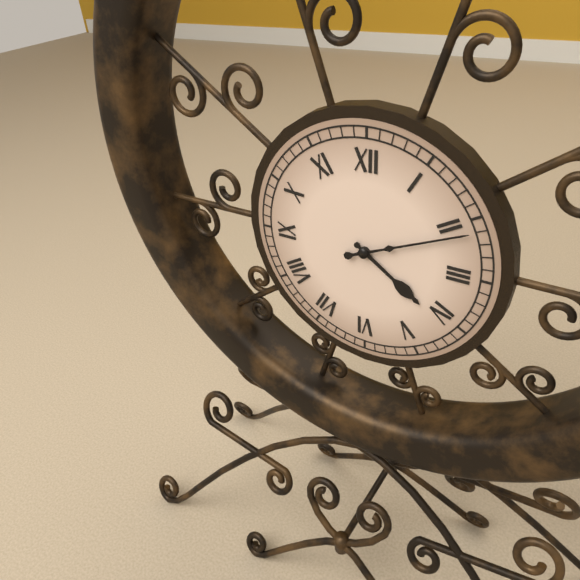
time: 4:11
